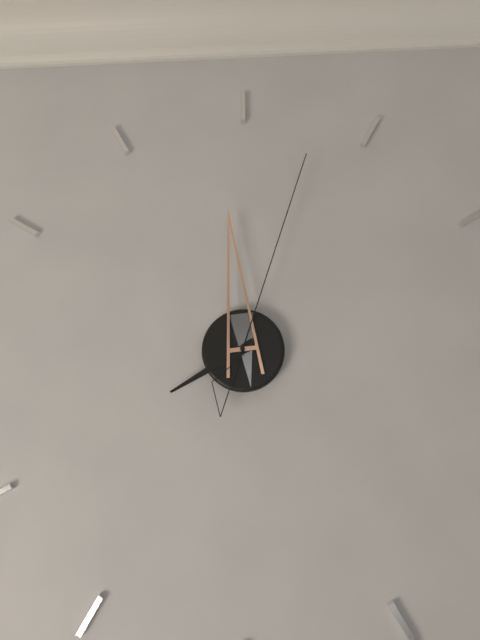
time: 7:59:03
